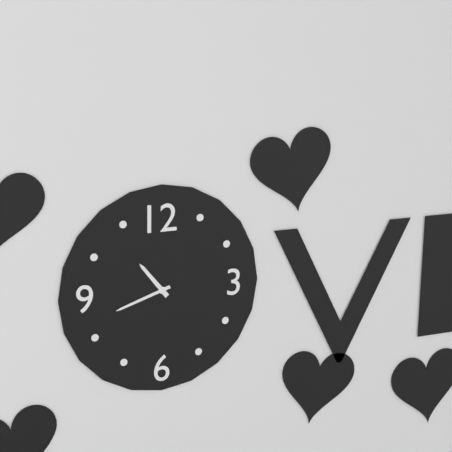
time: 10:42
